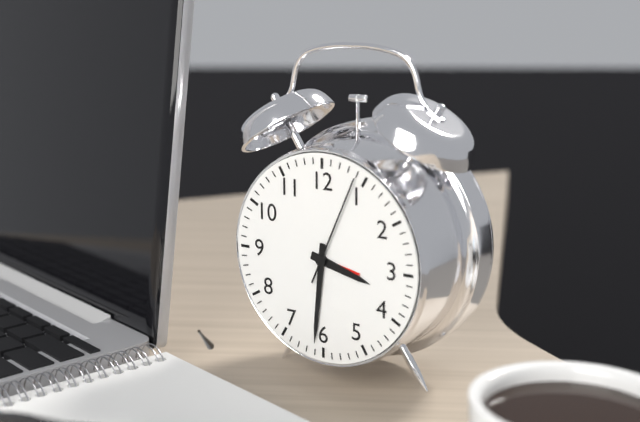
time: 3:31:04
